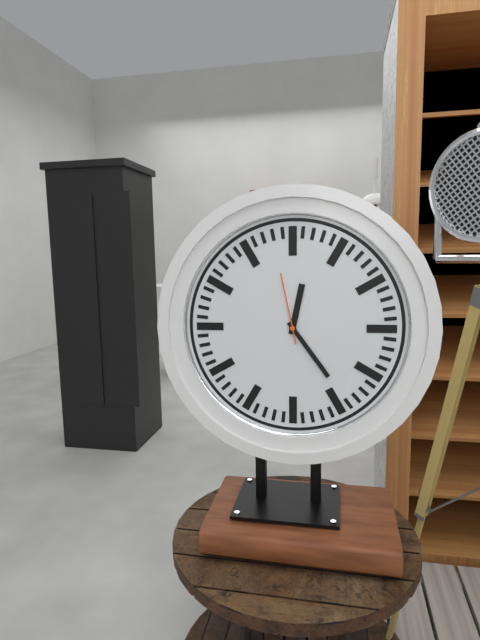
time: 12:24:58
